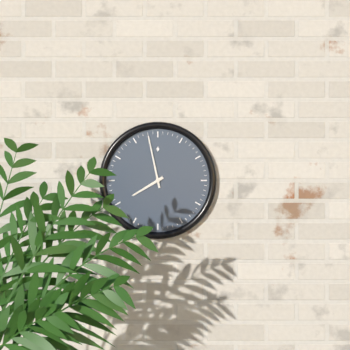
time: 7:58
